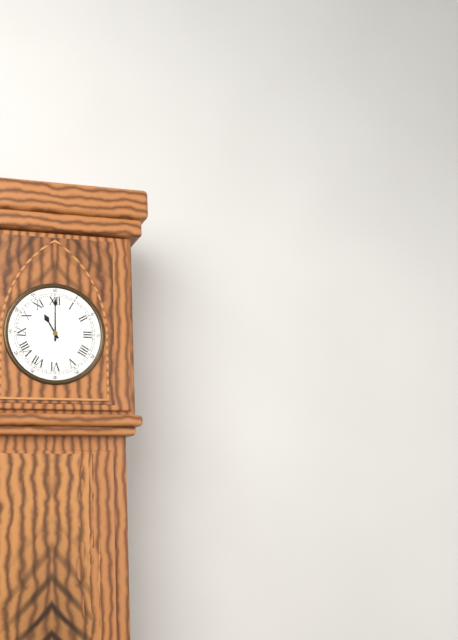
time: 11:00
